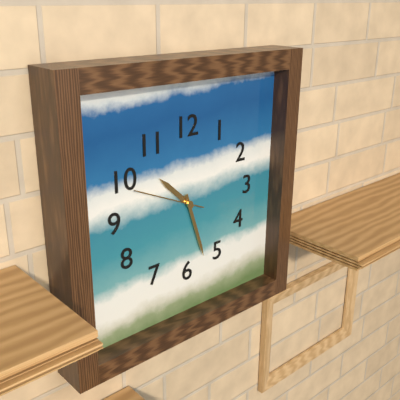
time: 10:27:49
